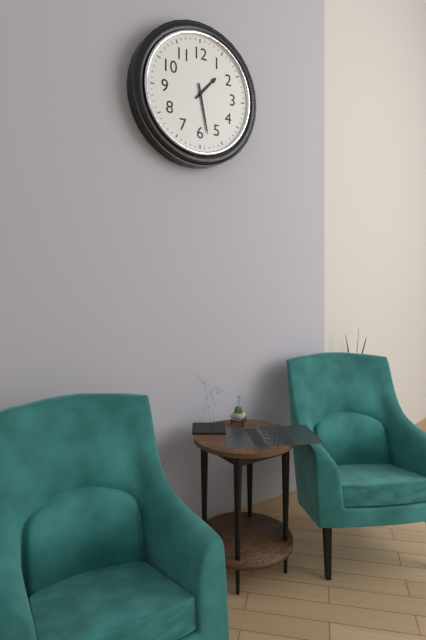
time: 1:28
